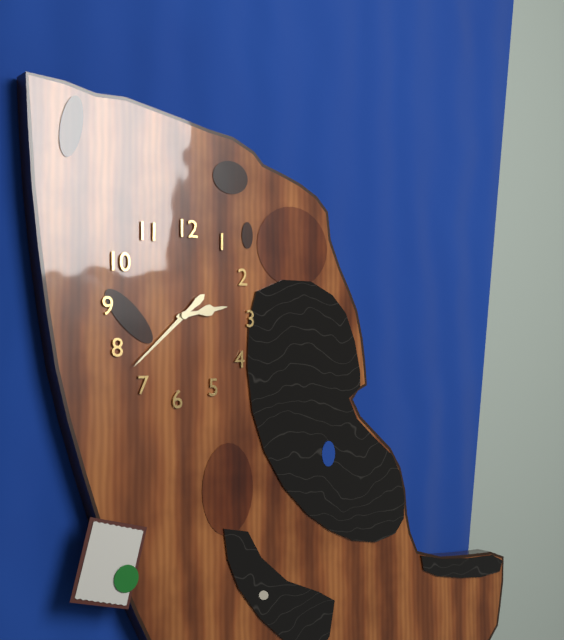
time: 2:38
